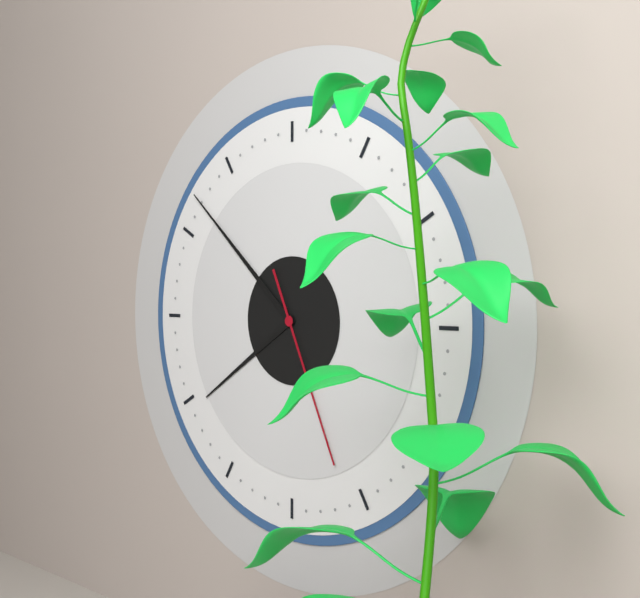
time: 7:52:26
